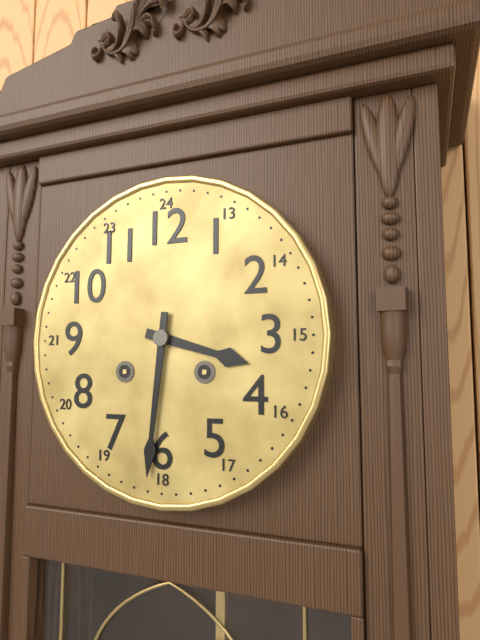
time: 3:31
